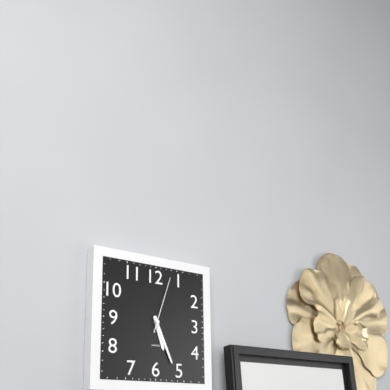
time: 5:26:03
